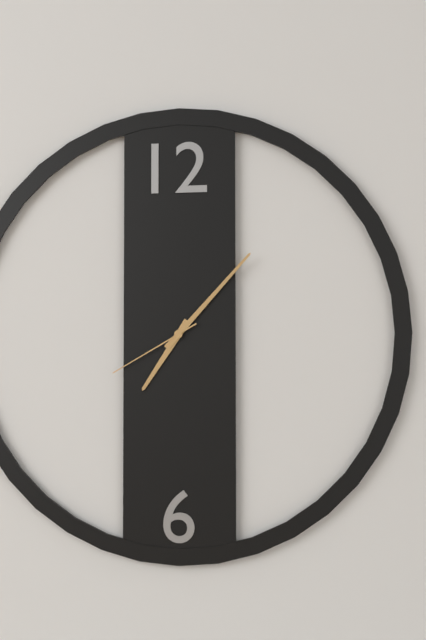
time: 7:07:40
